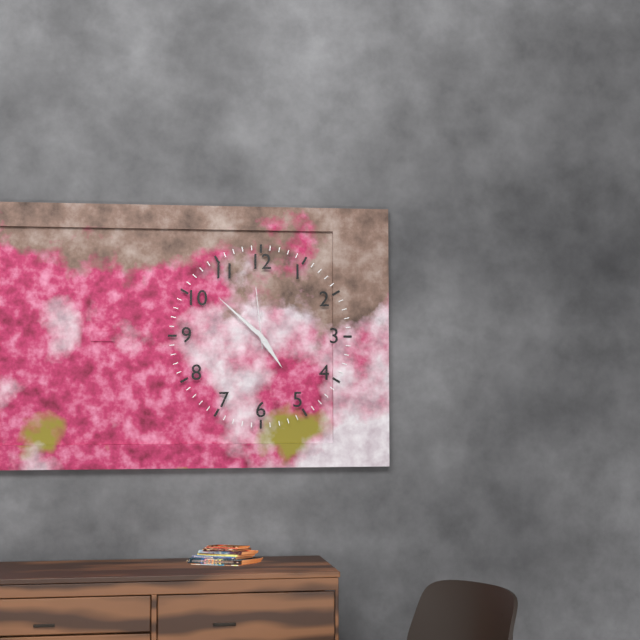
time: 4:52:59
